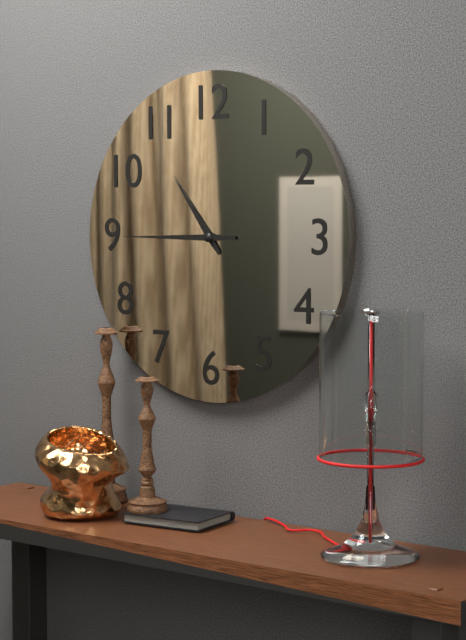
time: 10:45
